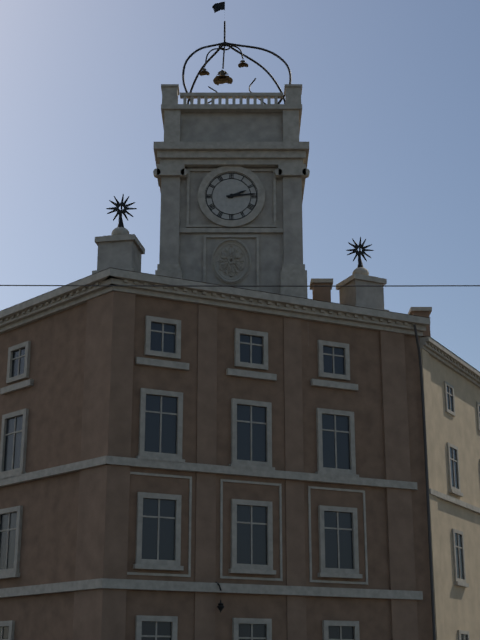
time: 2:14
